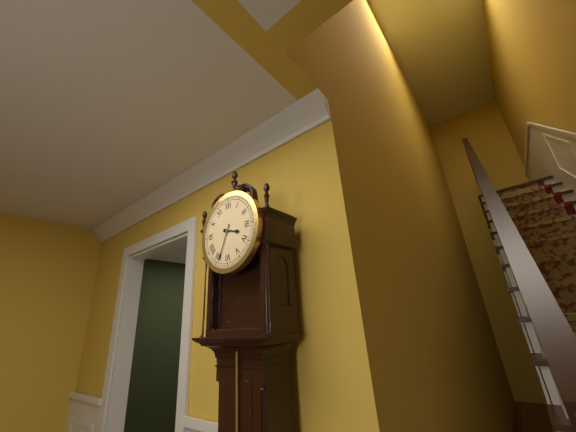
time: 3:34
